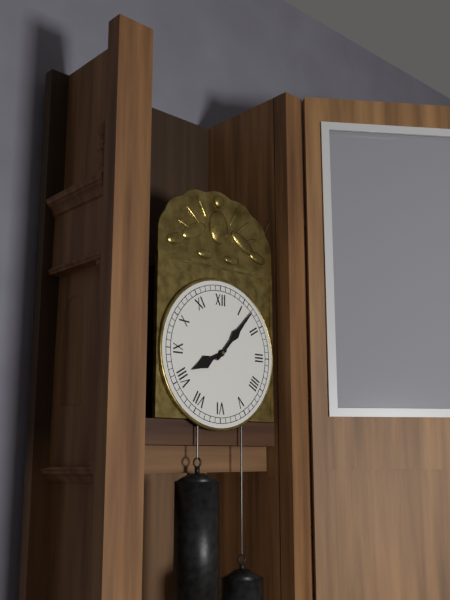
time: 8:07
